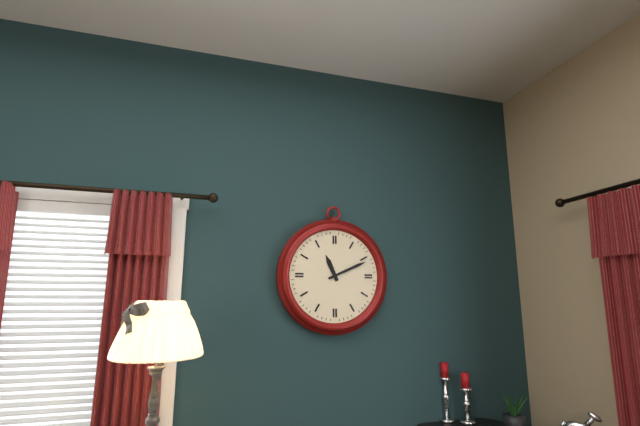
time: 11:11
